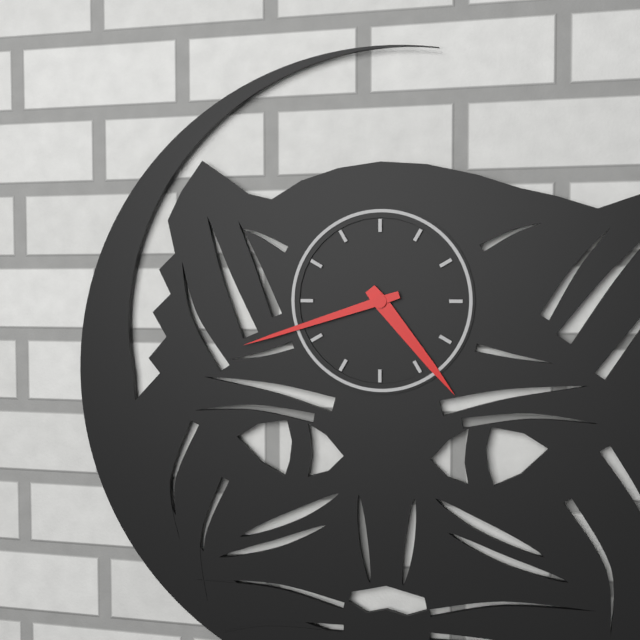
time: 4:42
